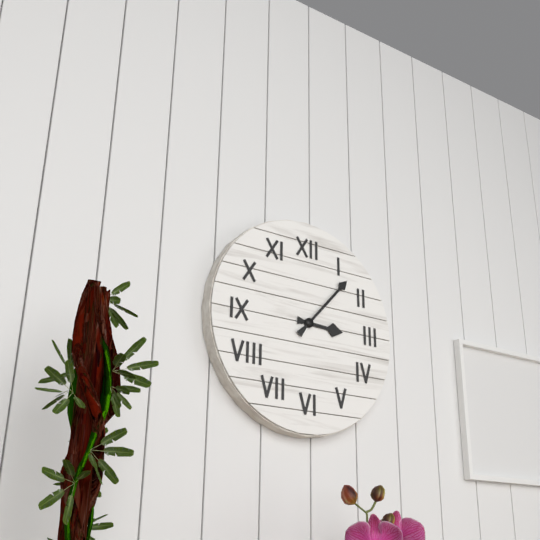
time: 3:07
